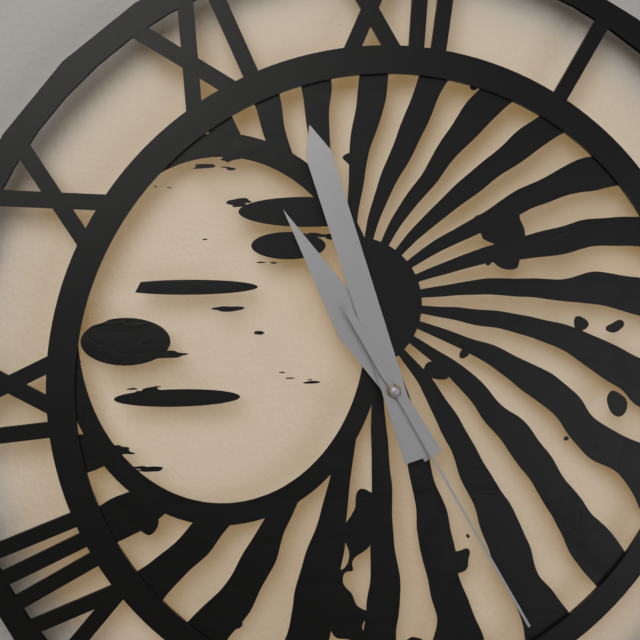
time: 10:57:25
